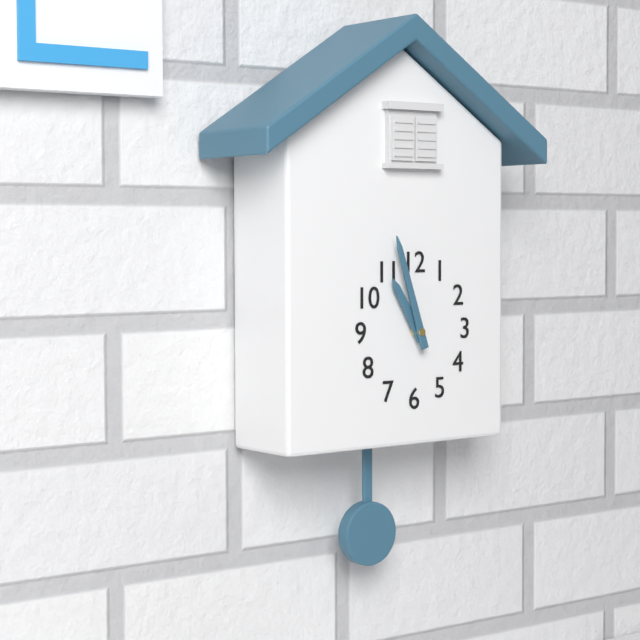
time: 10:57
